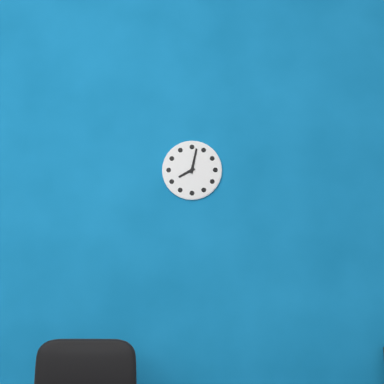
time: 8:02
